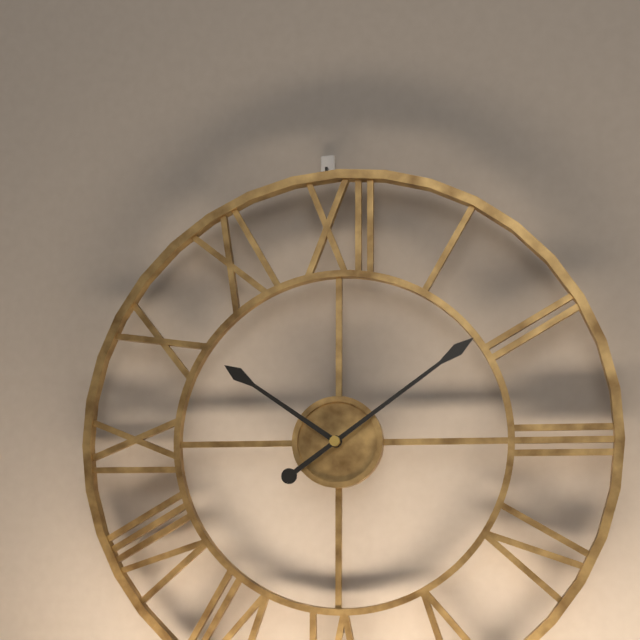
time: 10:09
